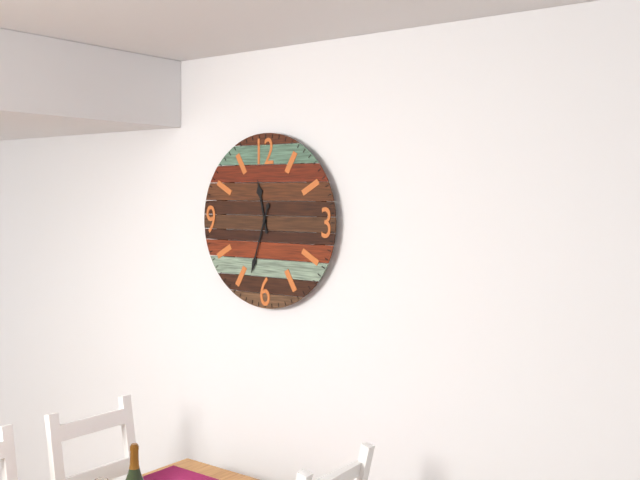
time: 11:33
